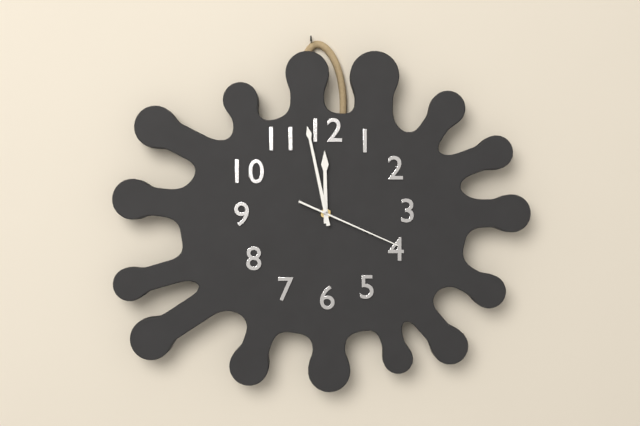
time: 11:58:19
